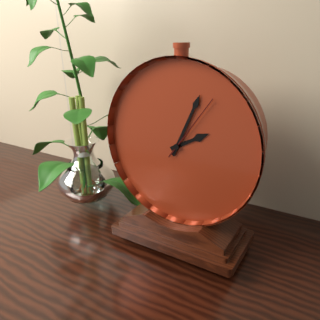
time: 2:04:06
